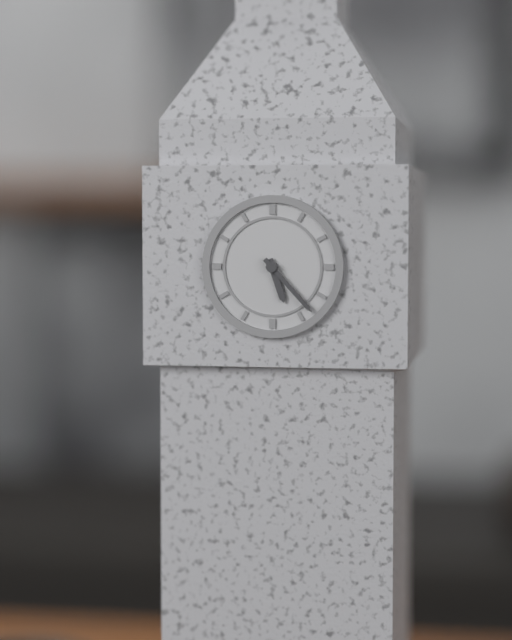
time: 5:23
